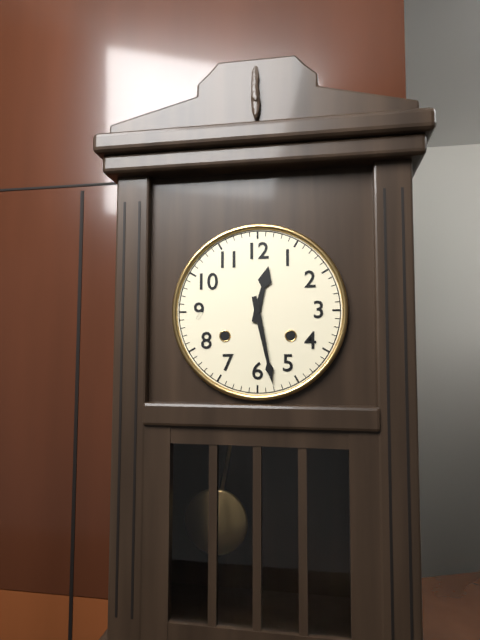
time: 12:28
